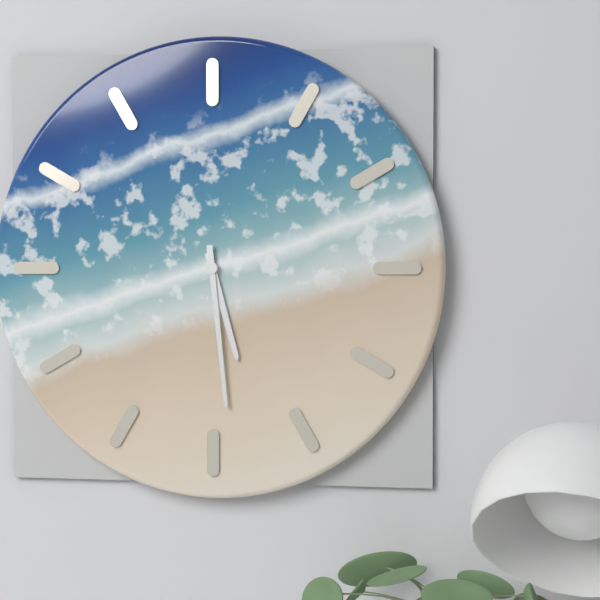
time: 5:29
